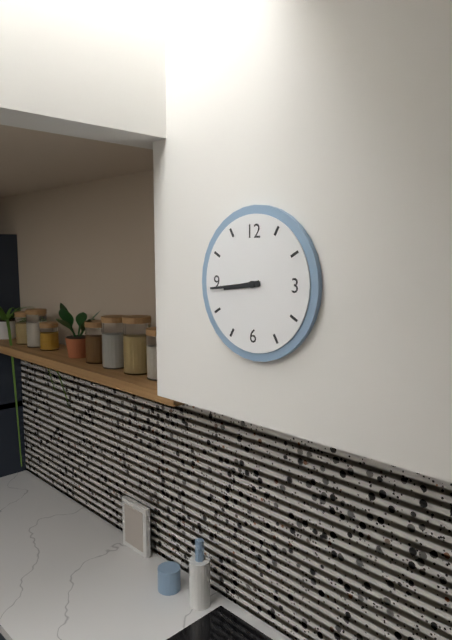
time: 8:44
